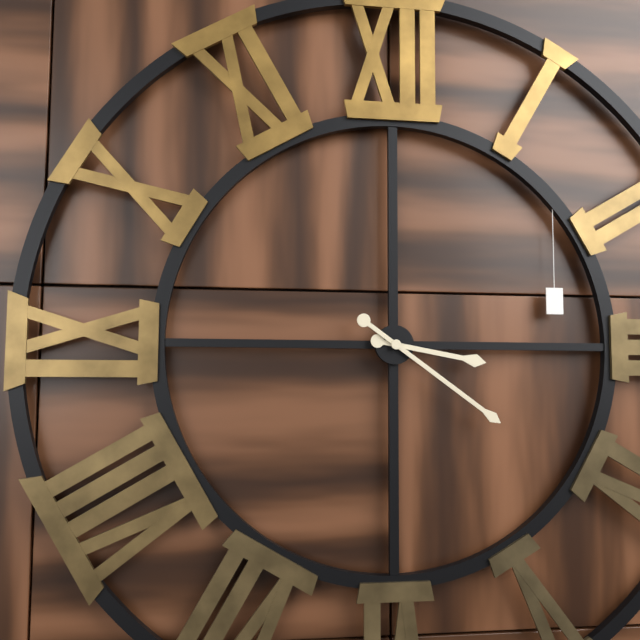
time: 3:21
